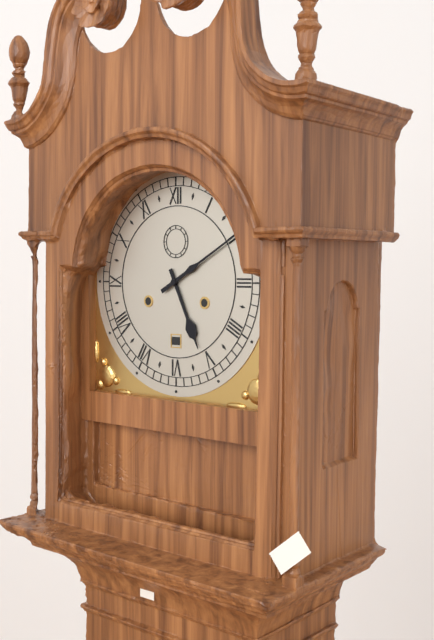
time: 5:10
